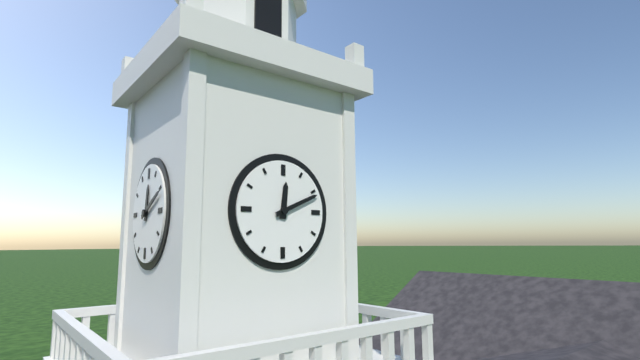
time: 12:11
